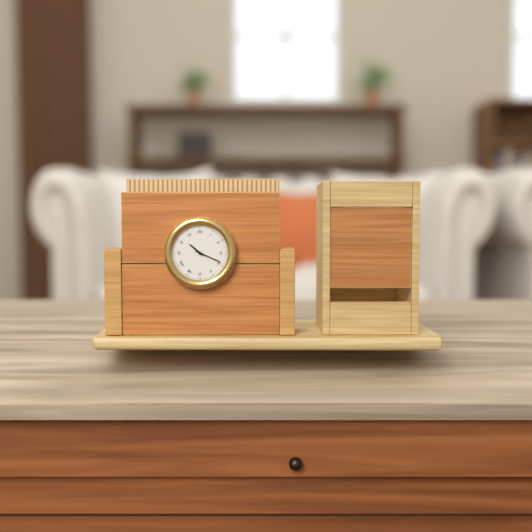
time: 10:19
